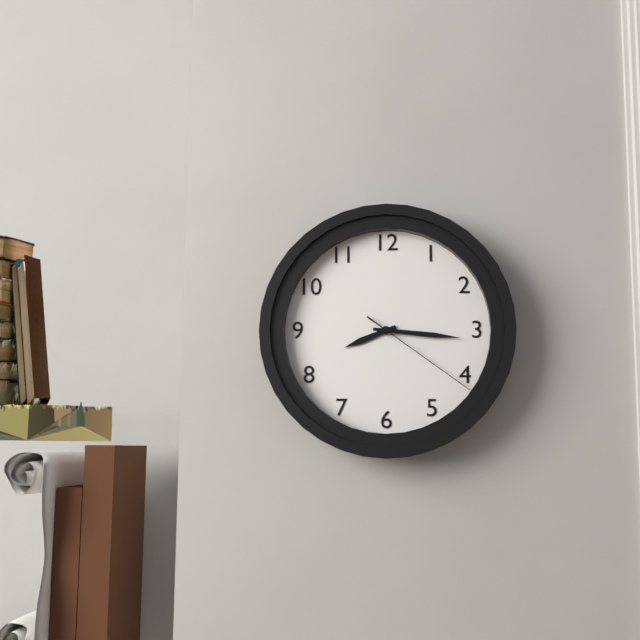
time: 8:16:21
